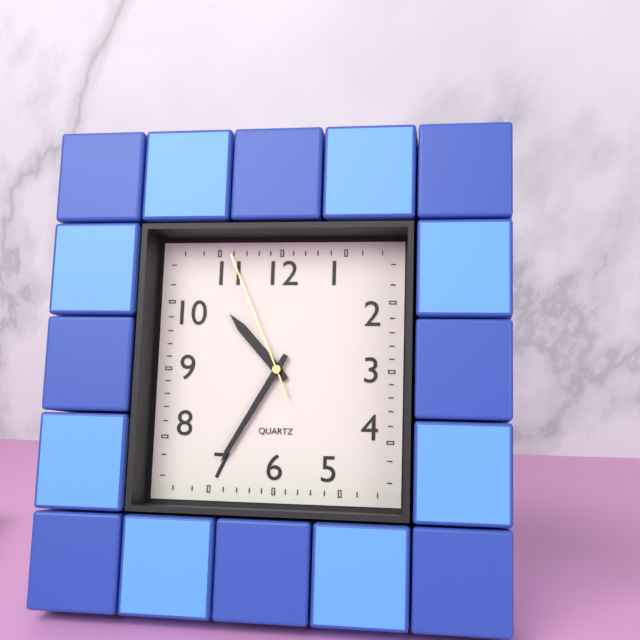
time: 10:35:56
